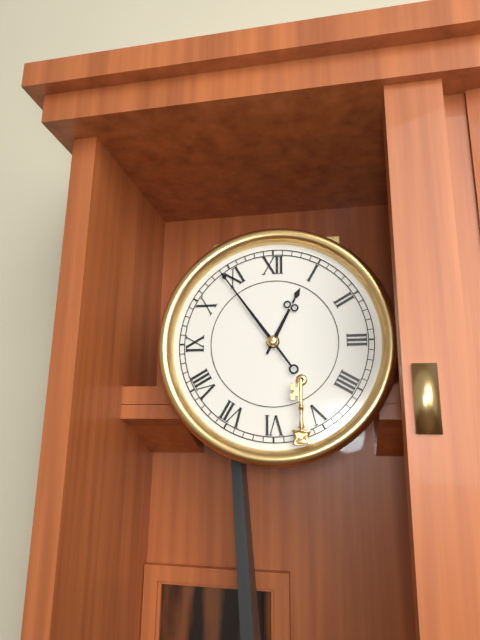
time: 12:54
